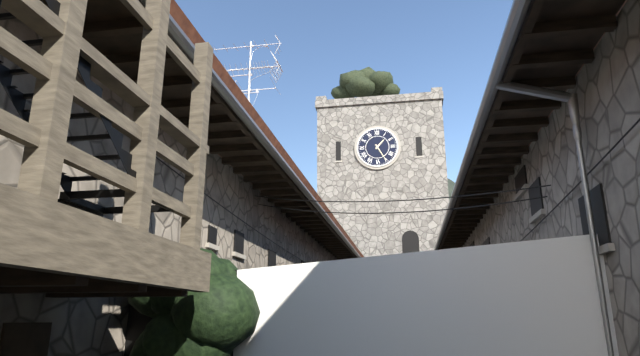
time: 1:25
